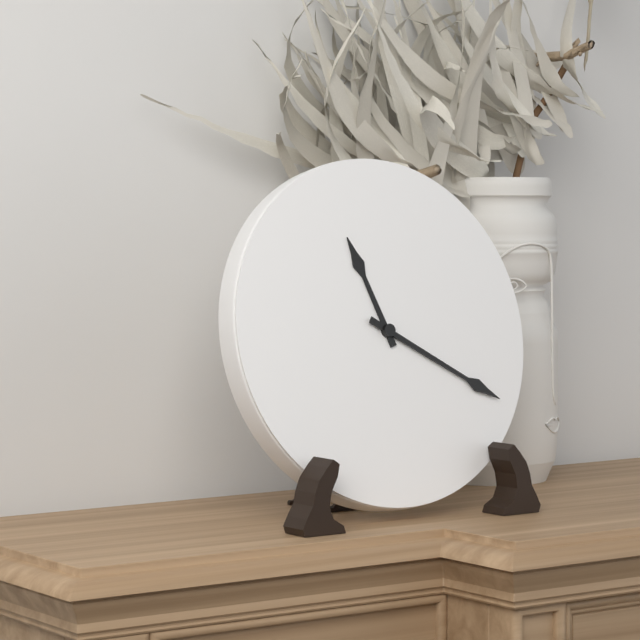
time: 11:20
